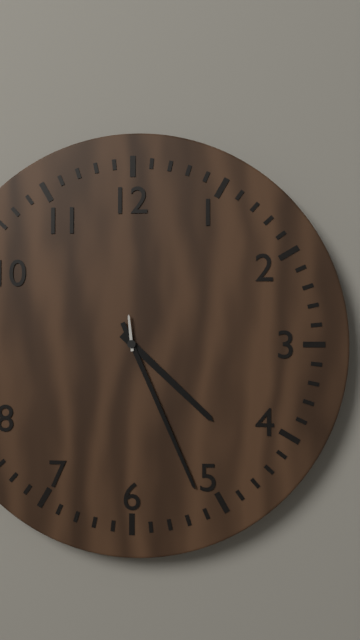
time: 4:26
